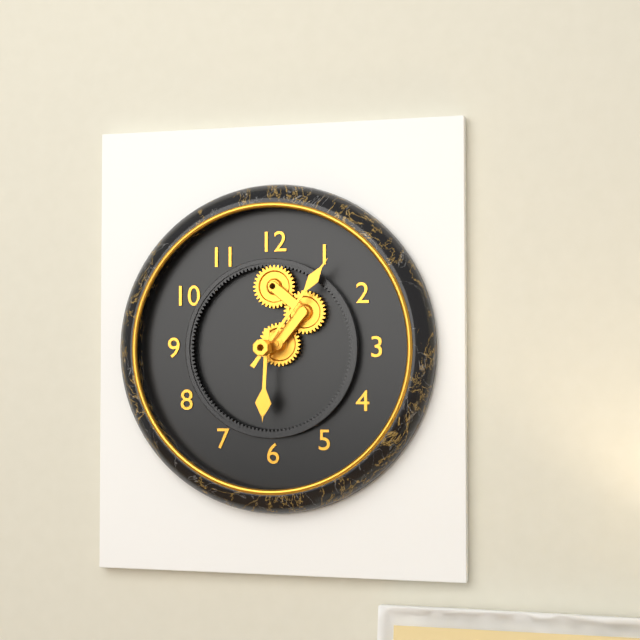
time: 6:06
